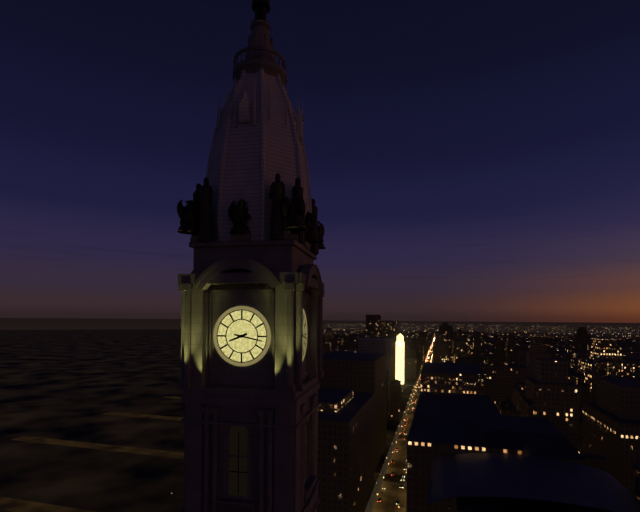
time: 8:17
